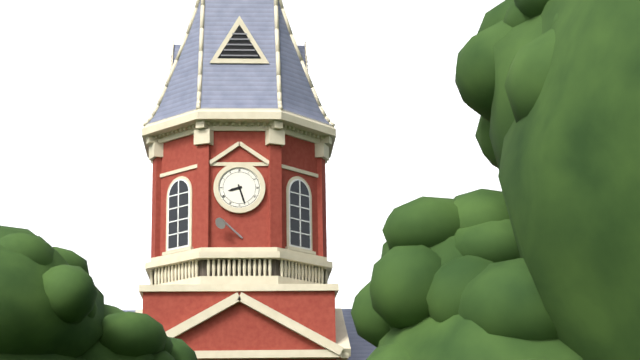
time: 8:27
